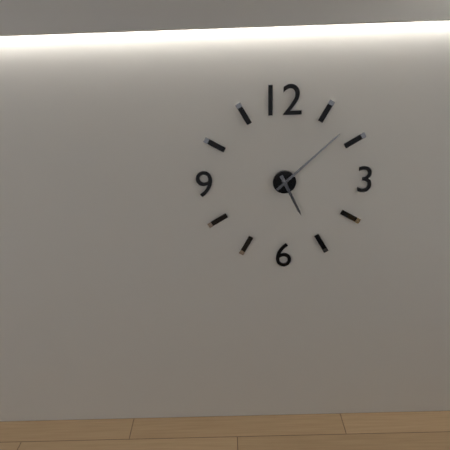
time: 5:08
